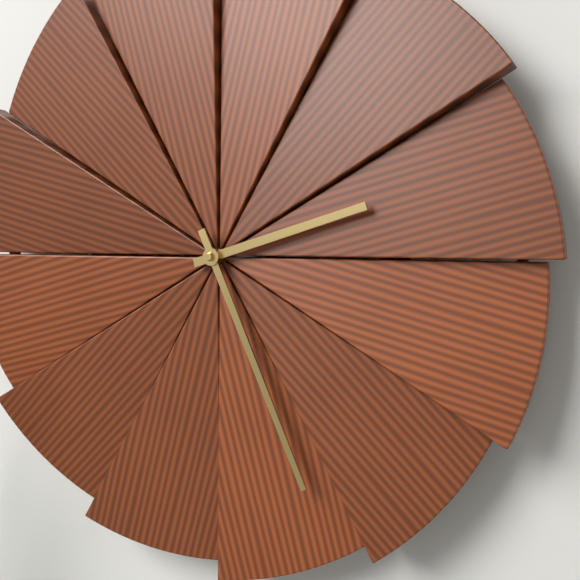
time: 2:26
